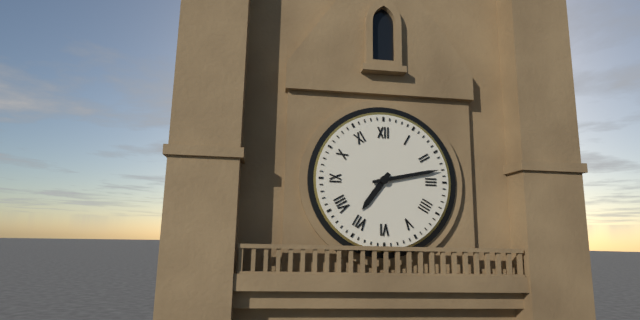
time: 7:13
